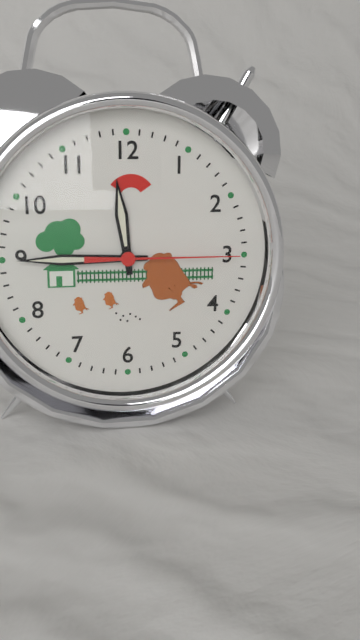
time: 11:45:15
